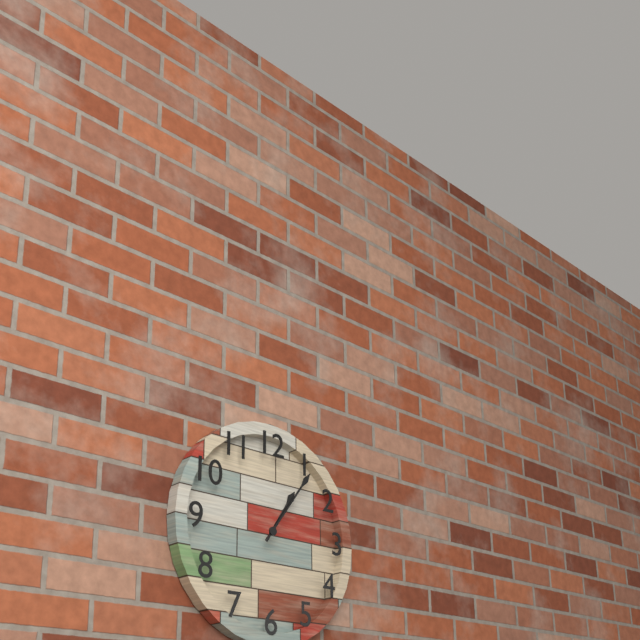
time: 1:06
